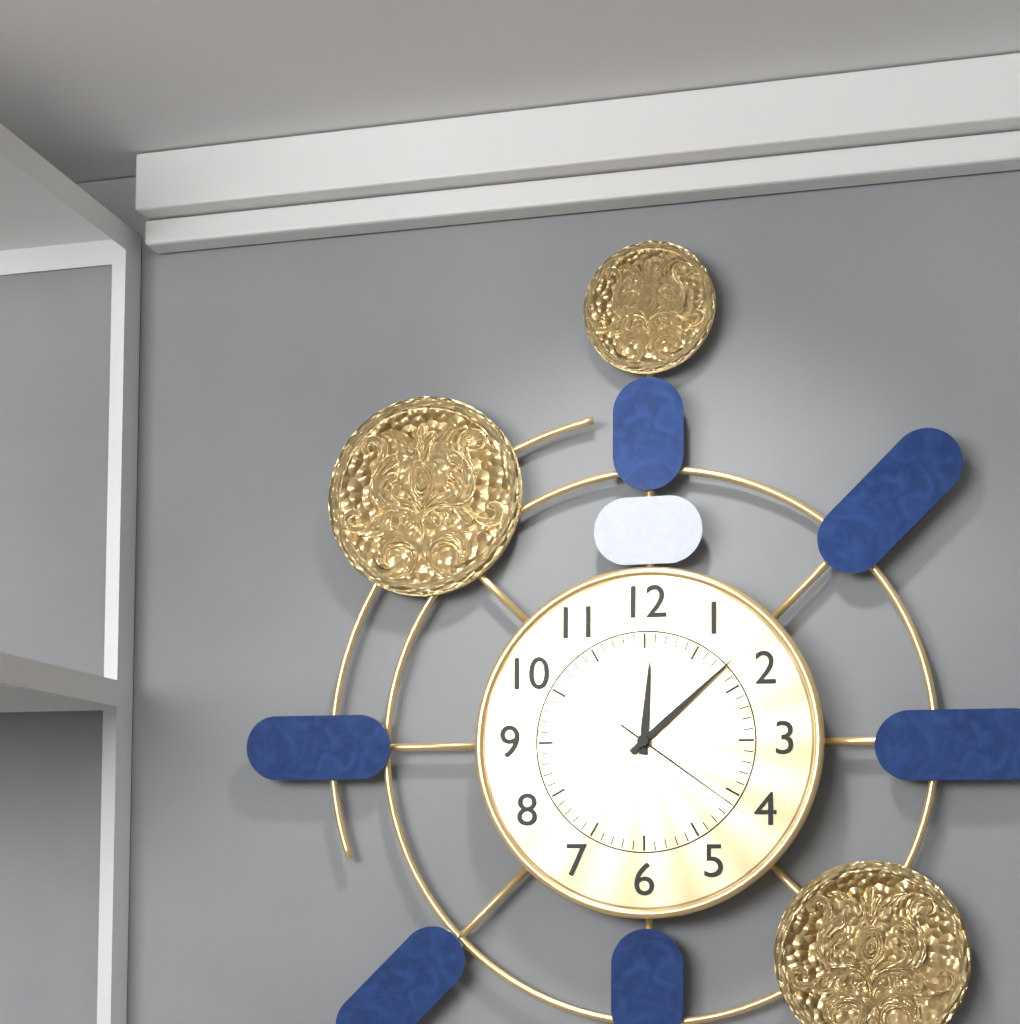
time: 12:08:21
